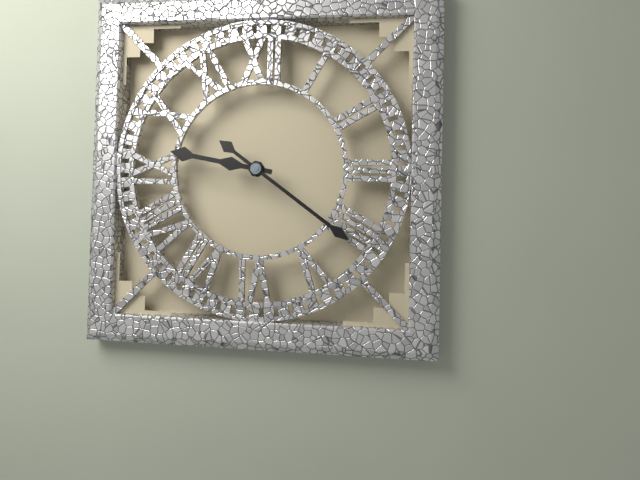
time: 9:21
